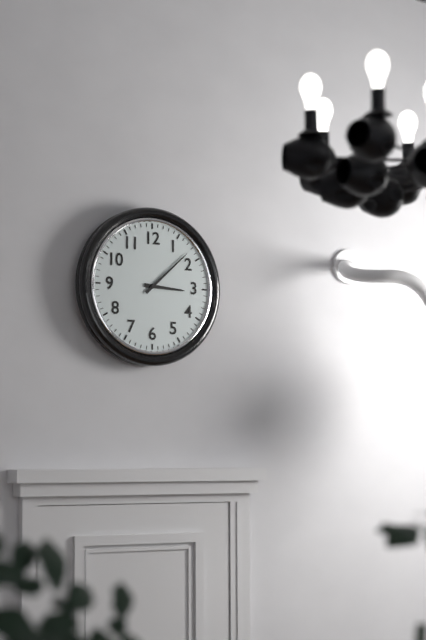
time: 3:08
